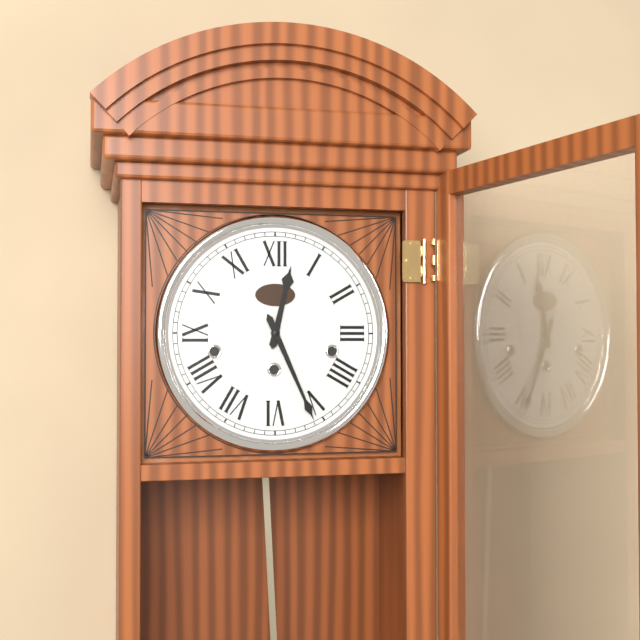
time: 12:26
